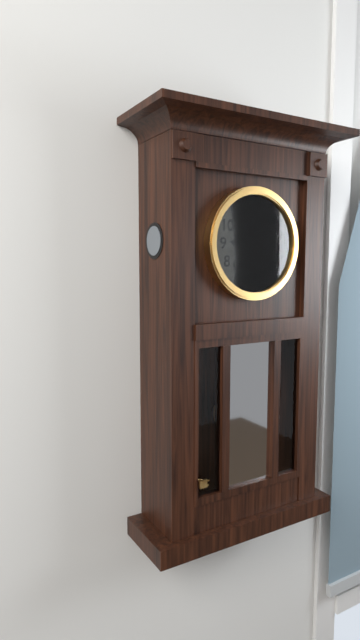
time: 9:08
